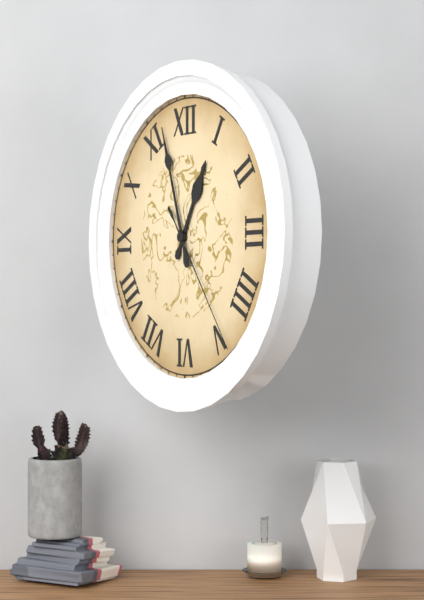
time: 12:57:24
